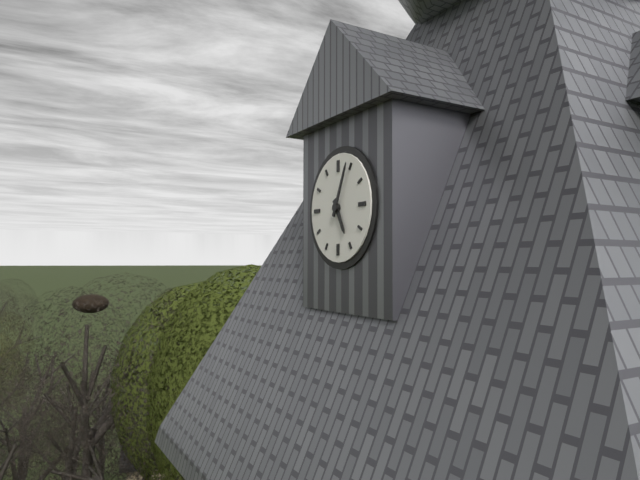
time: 5:04
